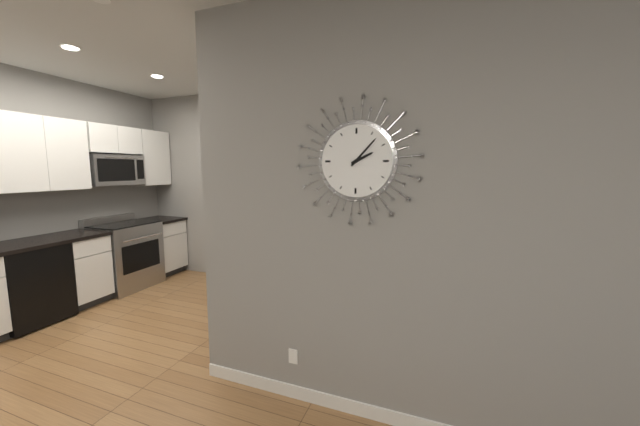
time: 2:07
